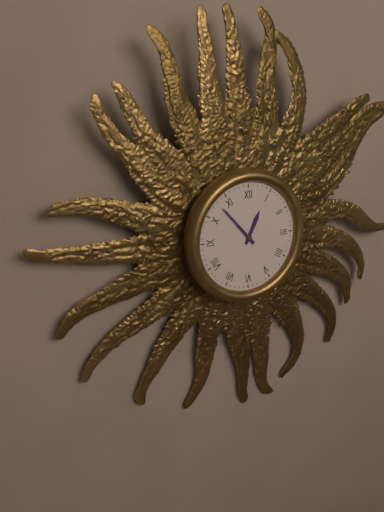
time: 12:53
